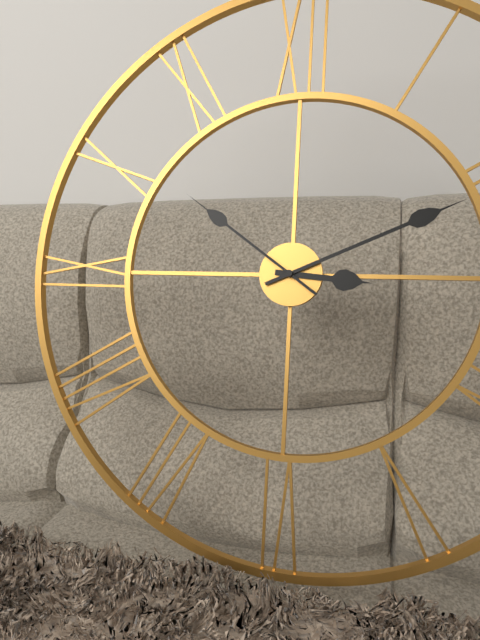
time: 3:11:51
